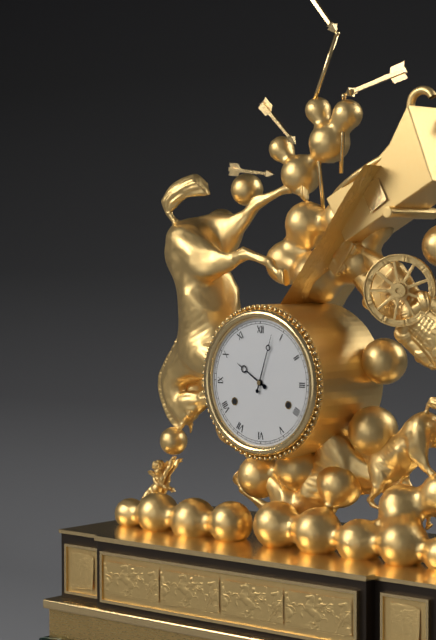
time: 10:03
